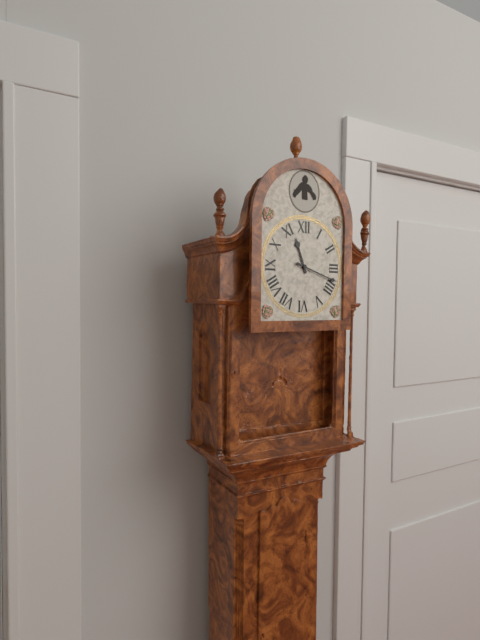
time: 11:18
